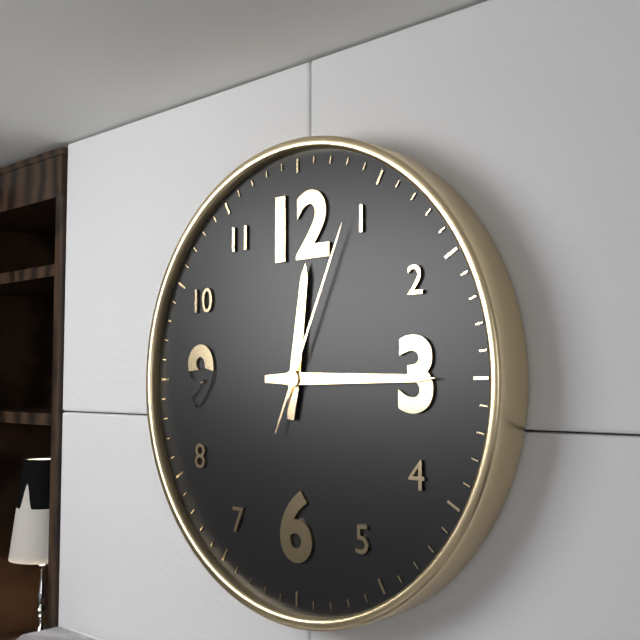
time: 12:15:04
